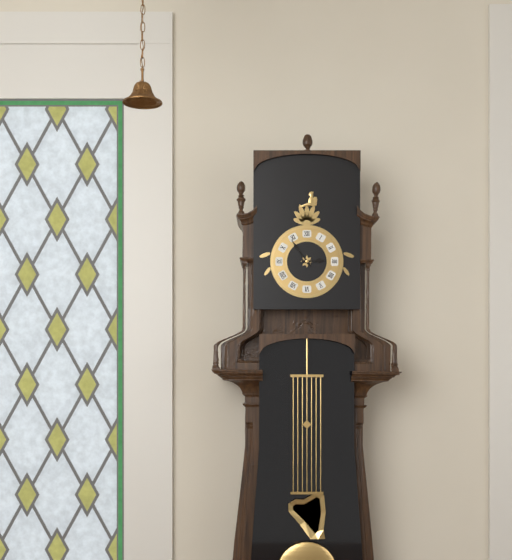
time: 2:54
